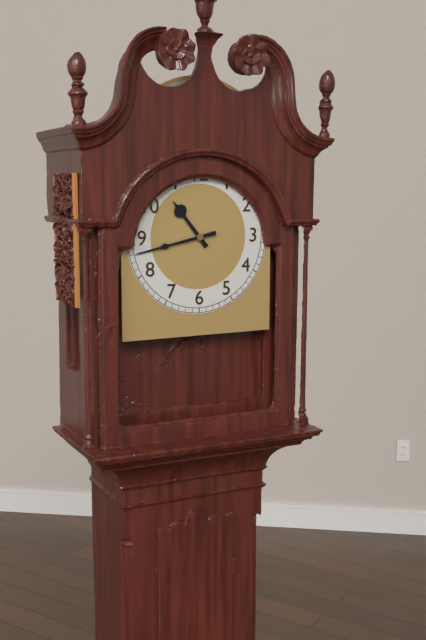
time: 10:43
